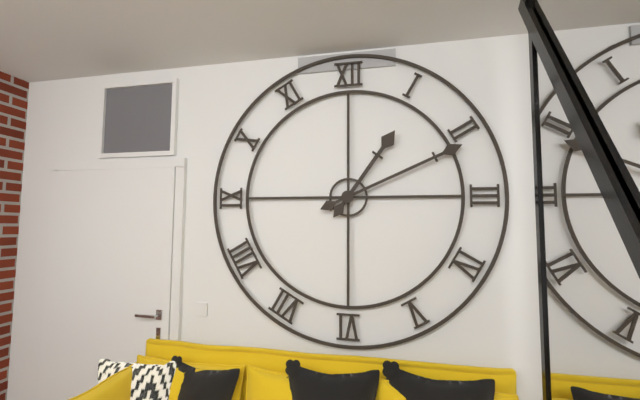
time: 1:11
